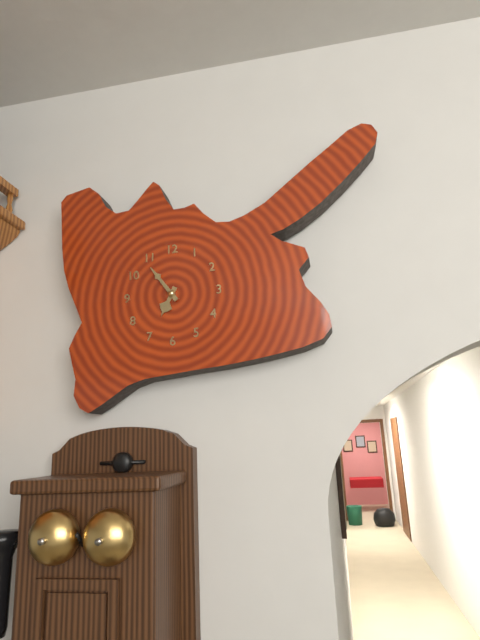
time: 6:54
